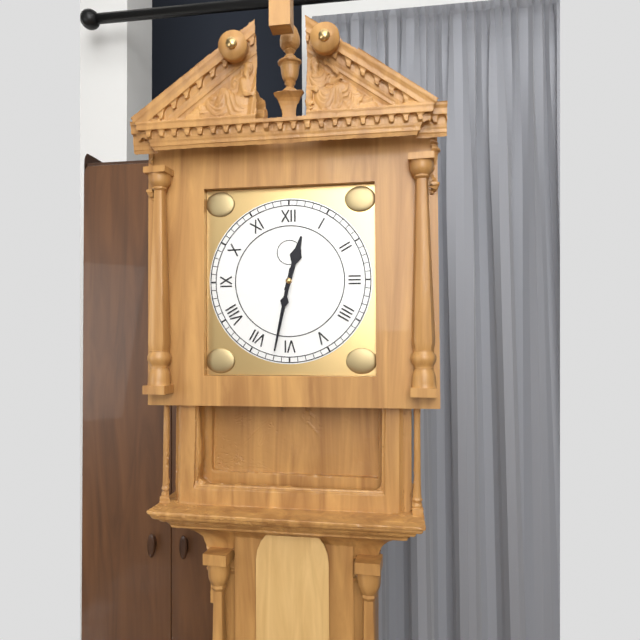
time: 12:32
